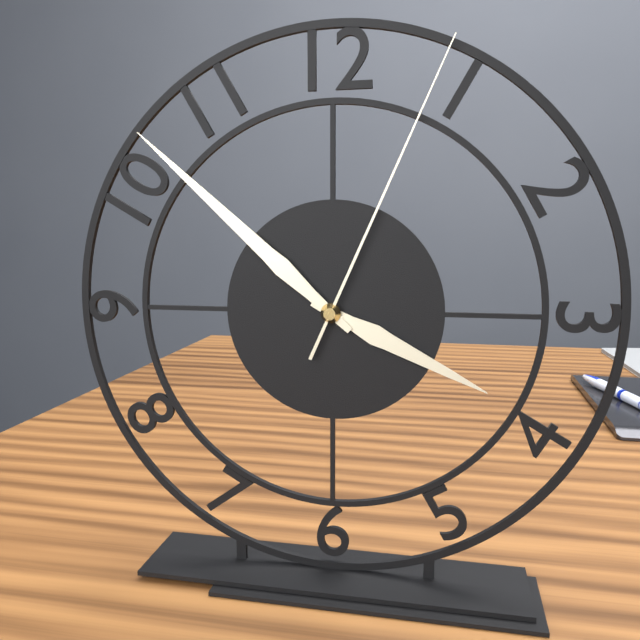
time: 3:52:04
